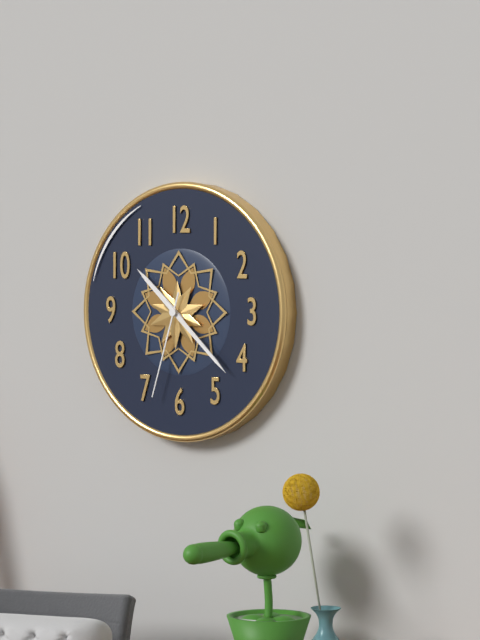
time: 10:22:33
